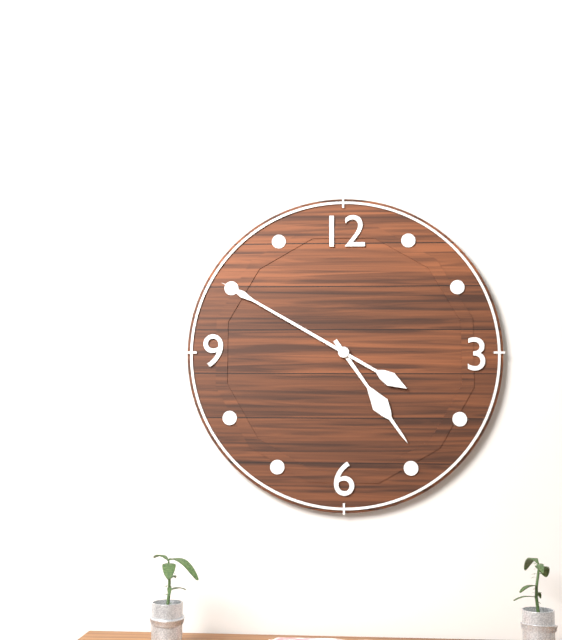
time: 4:50
